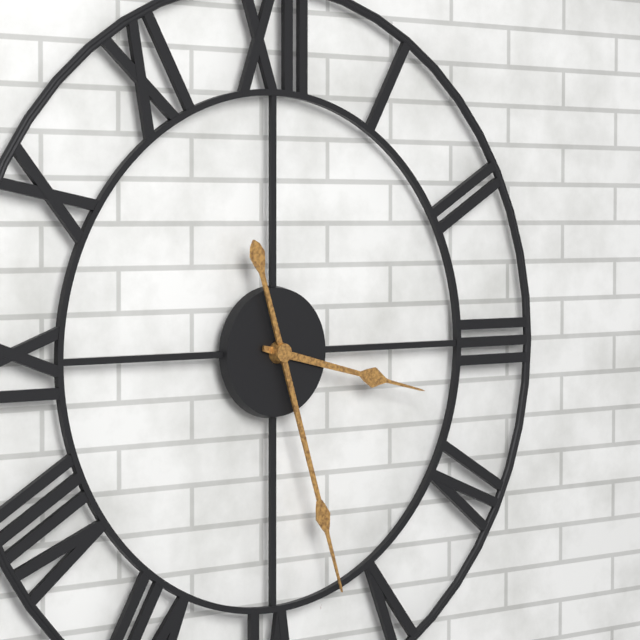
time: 3:27
